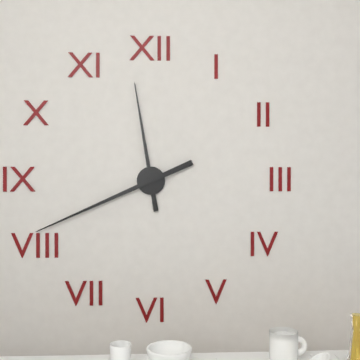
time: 11:41
